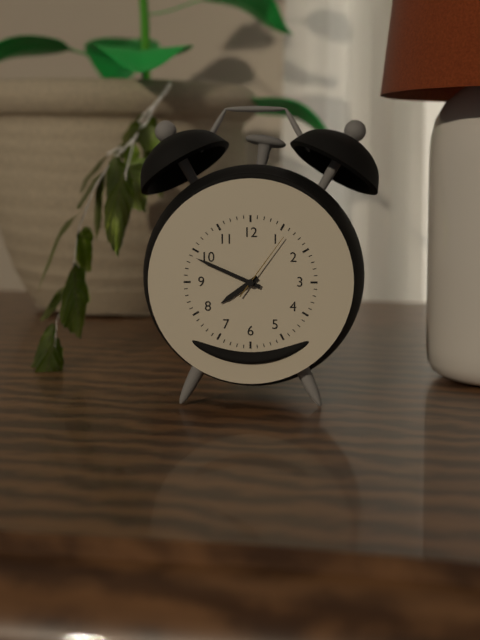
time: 7:49:06
